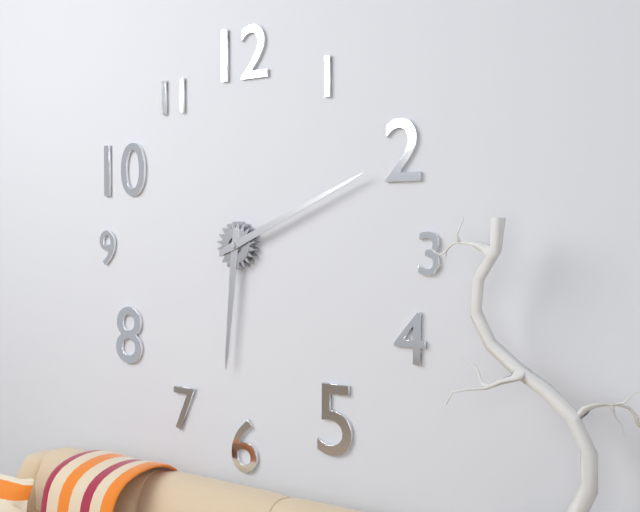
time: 6:11
